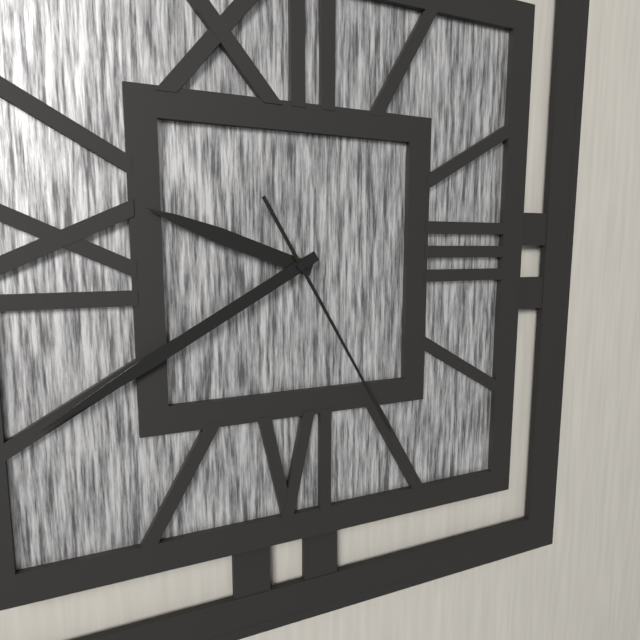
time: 9:40:25
